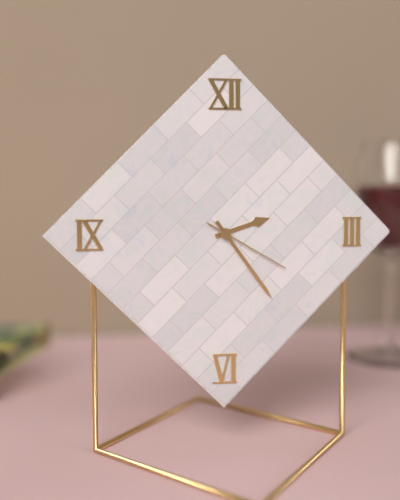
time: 2:24:20
